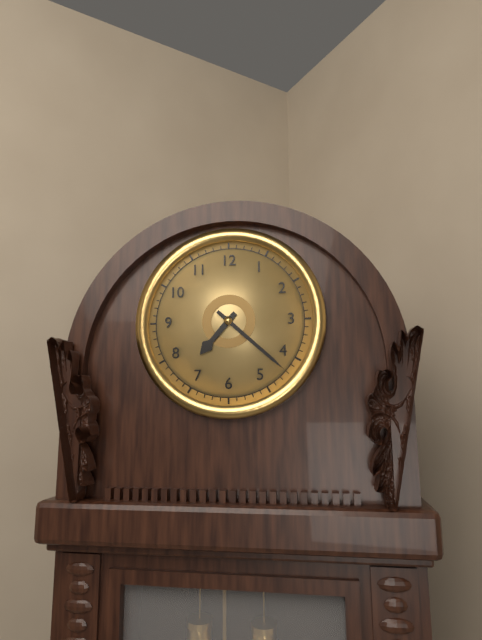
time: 7:22
